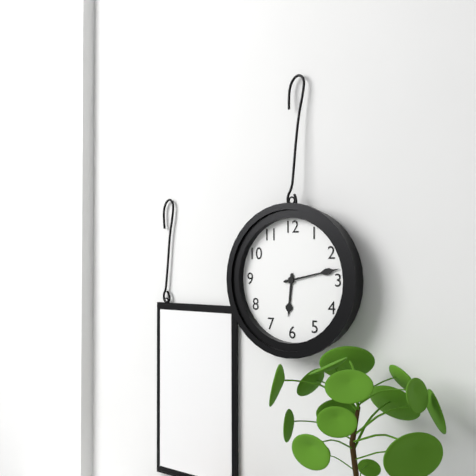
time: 6:13
